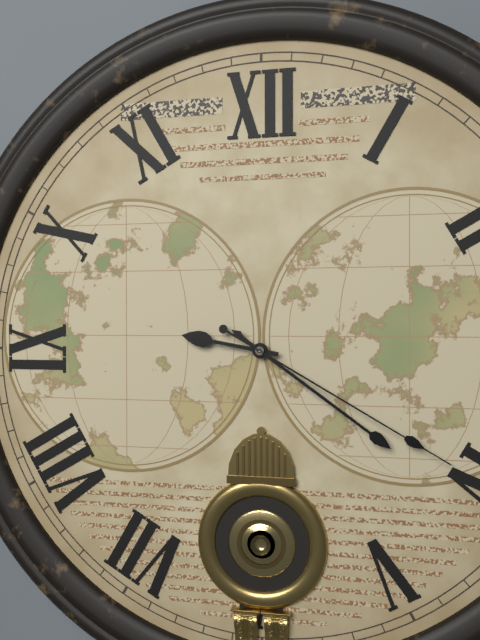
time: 9:21:20
